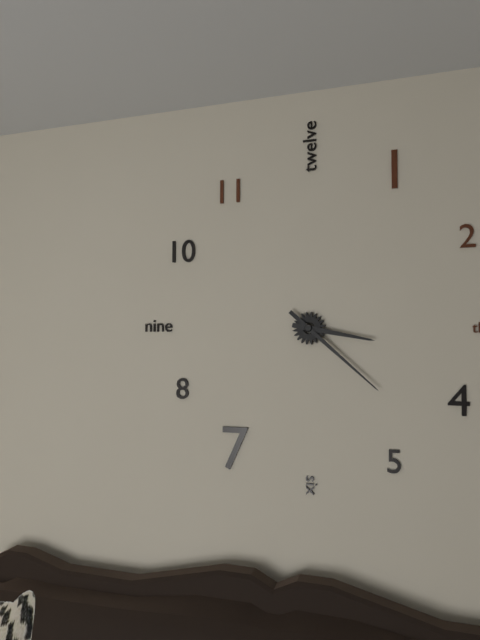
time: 3:22
